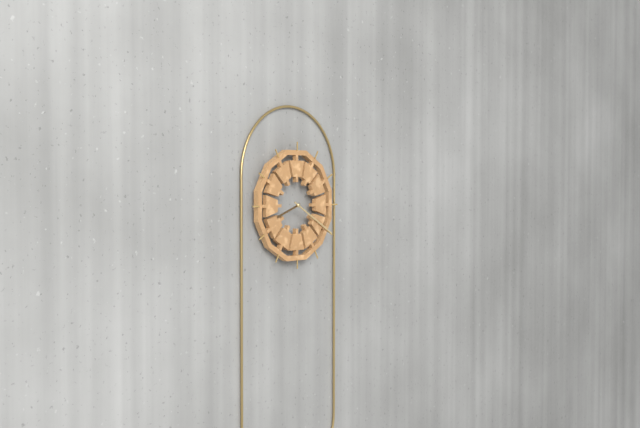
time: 8:20
